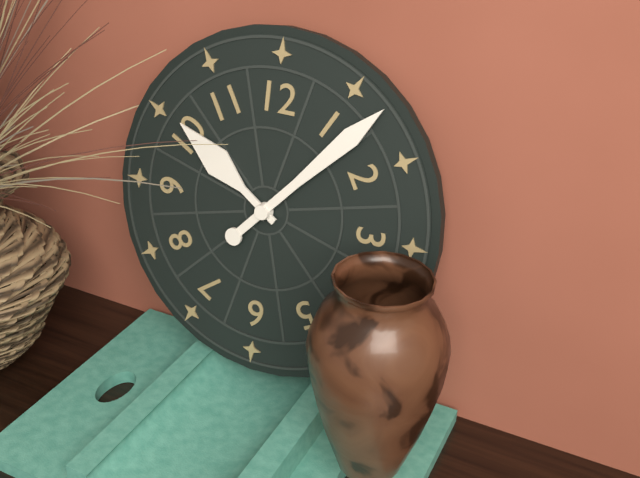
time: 10:07
